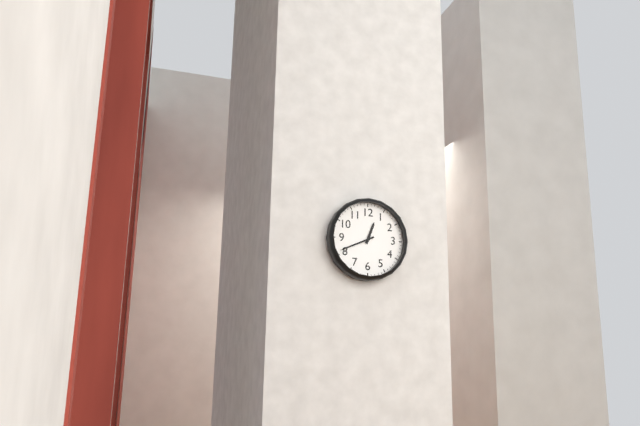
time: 12:41
